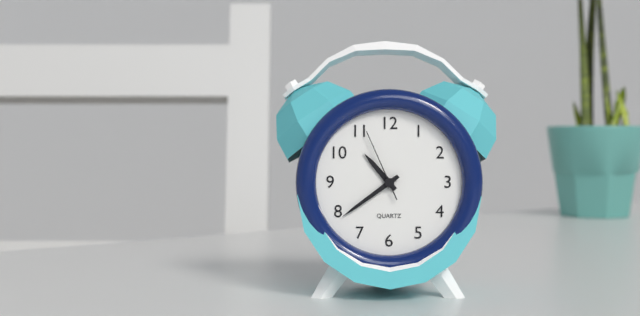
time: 10:39:56
